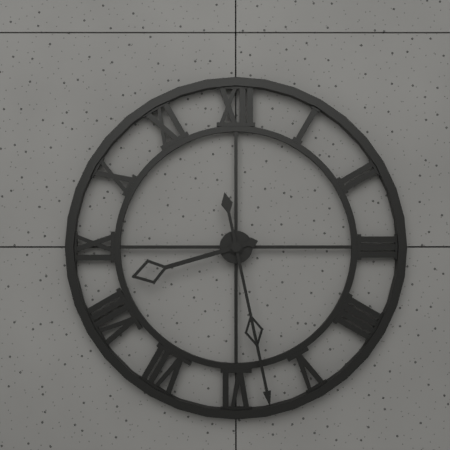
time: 8:28
